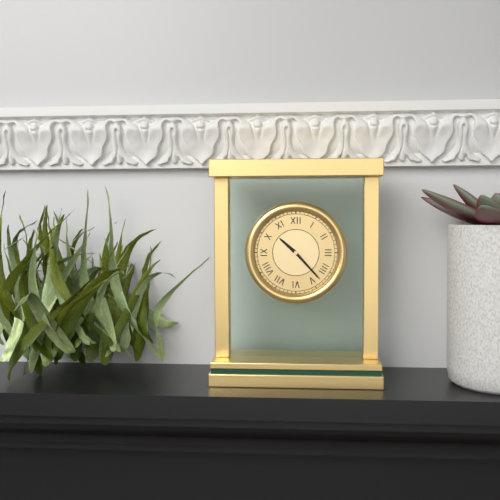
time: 10:23
